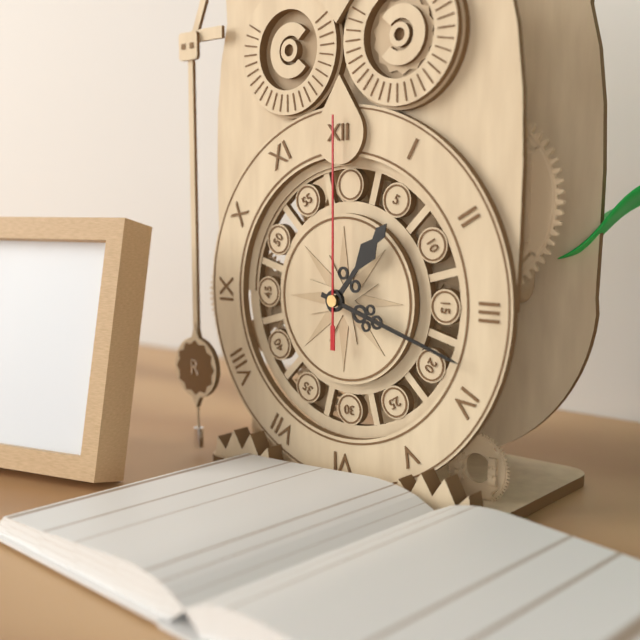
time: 1:18:00
